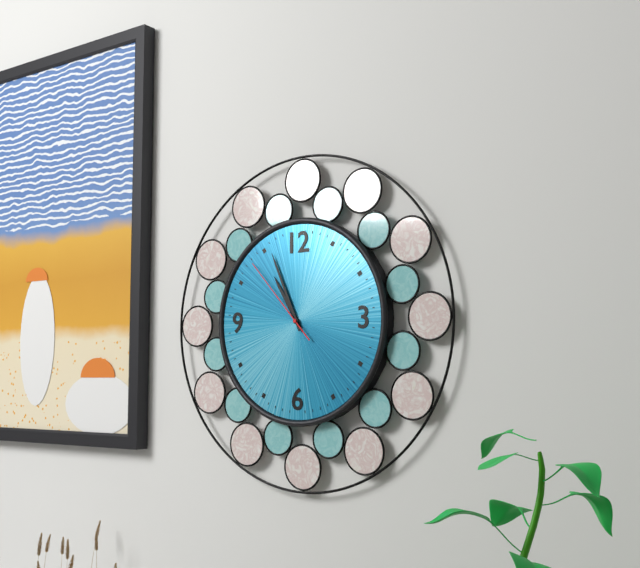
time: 10:56:53
